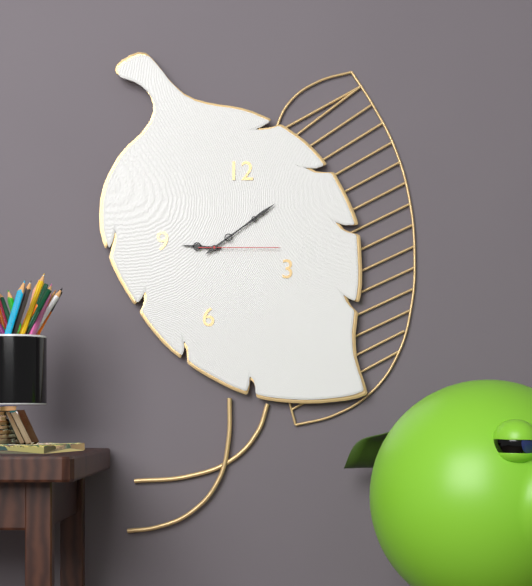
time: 9:09:15
